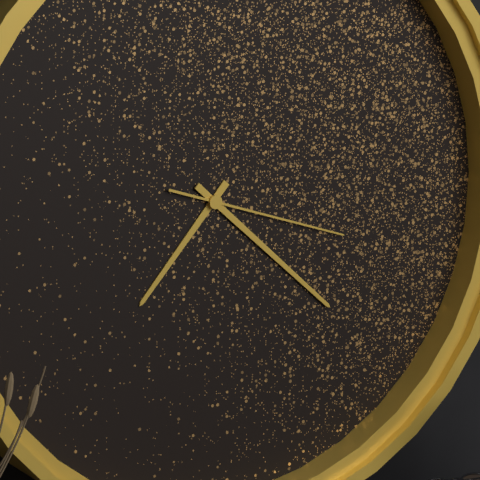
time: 7:22:18
